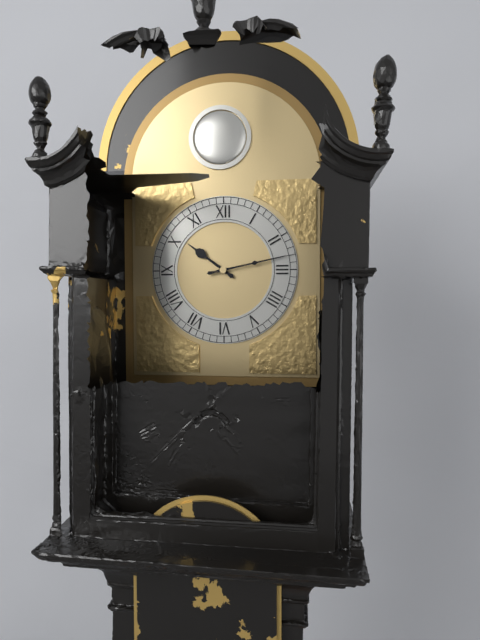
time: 10:13
